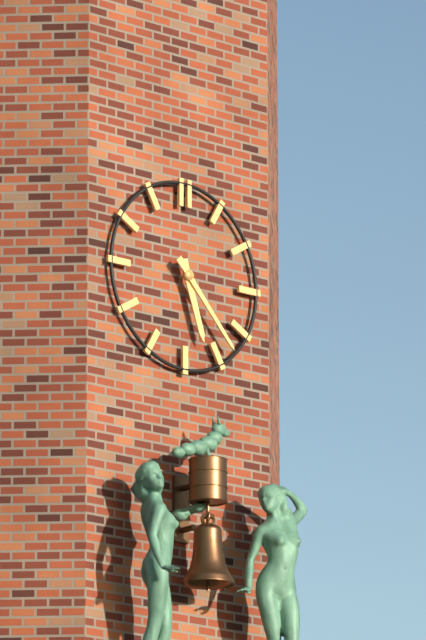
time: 5:23
